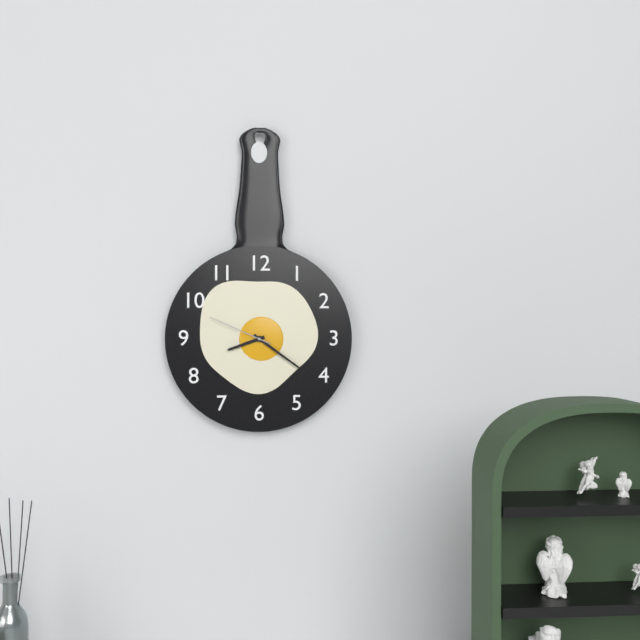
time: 8:21:49
